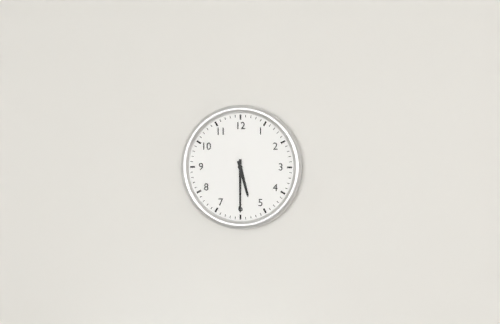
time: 5:30
